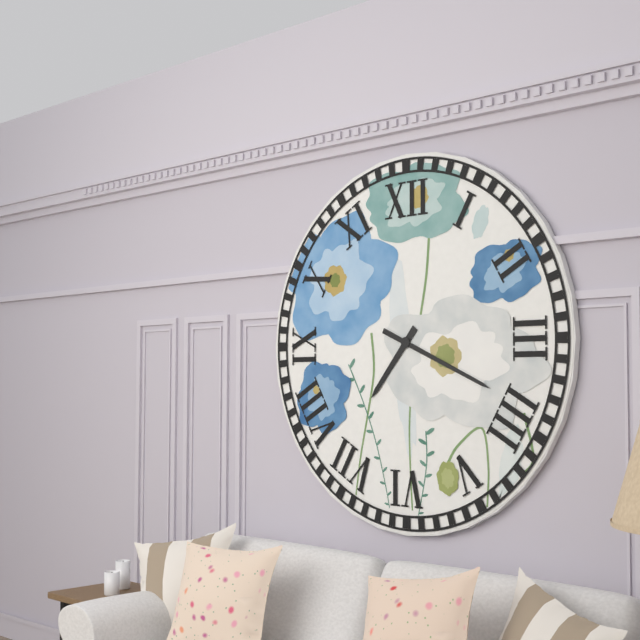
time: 7:19
